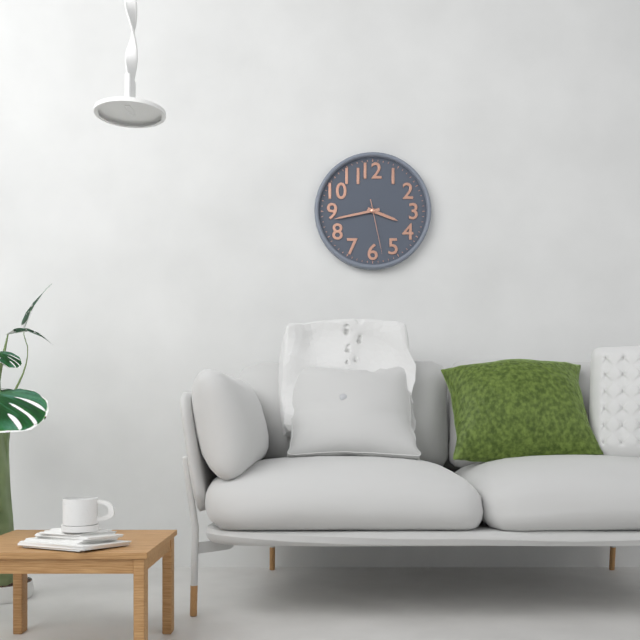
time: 3:43:28
